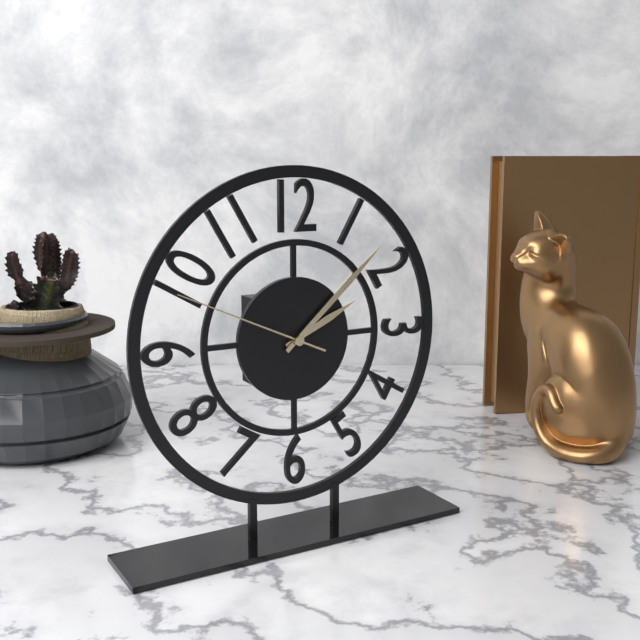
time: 2:08:49
